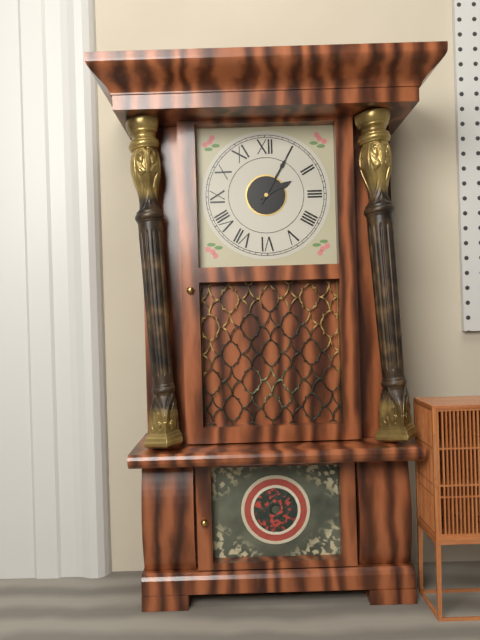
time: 2:05
